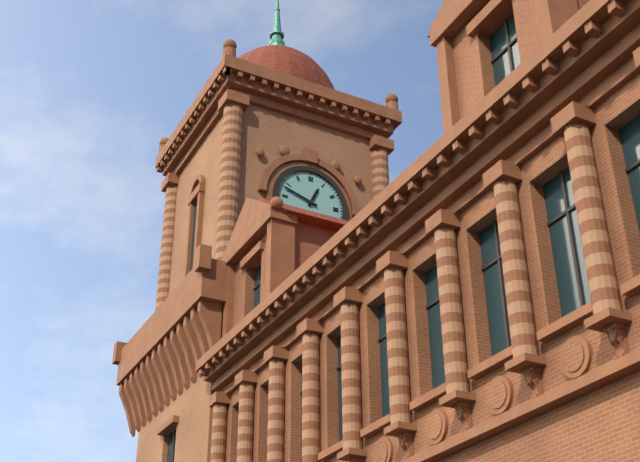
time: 12:48
